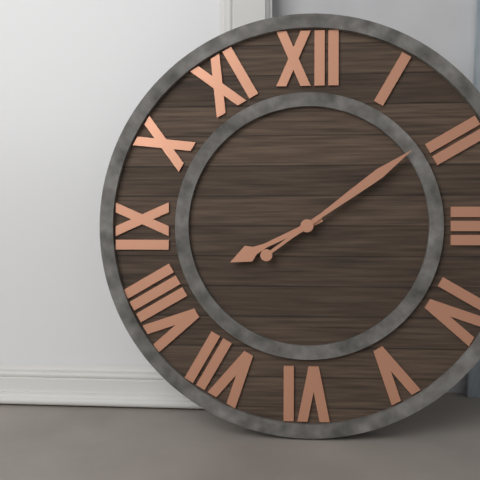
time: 8:09
